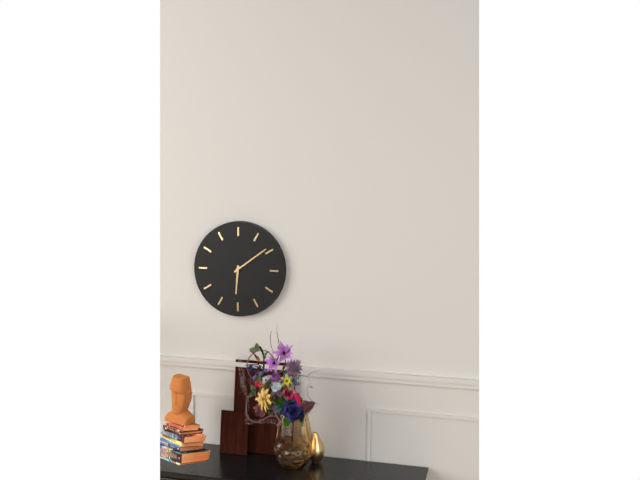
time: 6:09
